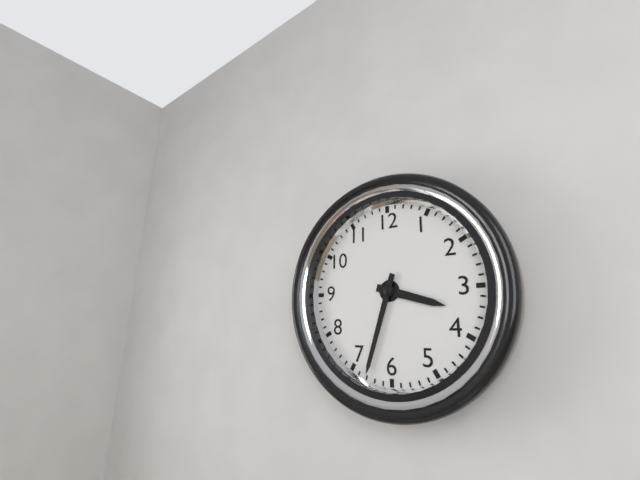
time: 3:33
